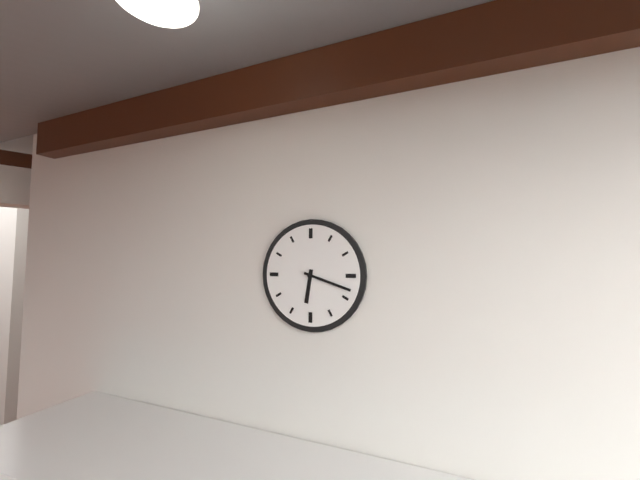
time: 6:18
